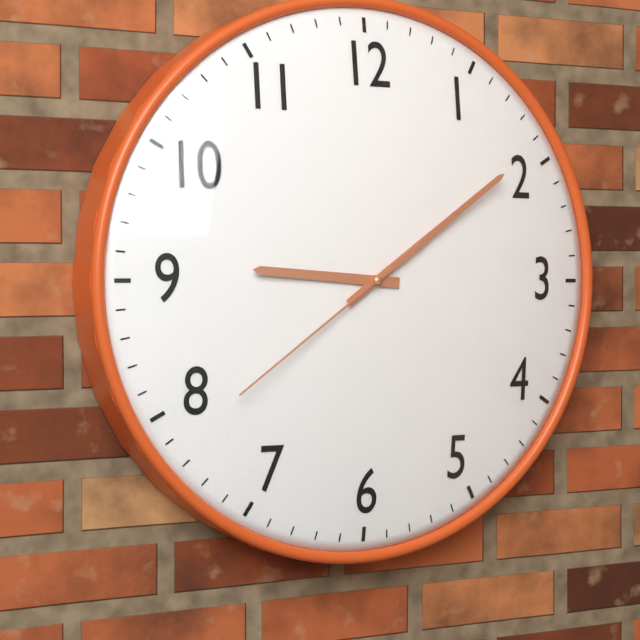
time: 9:09:39
